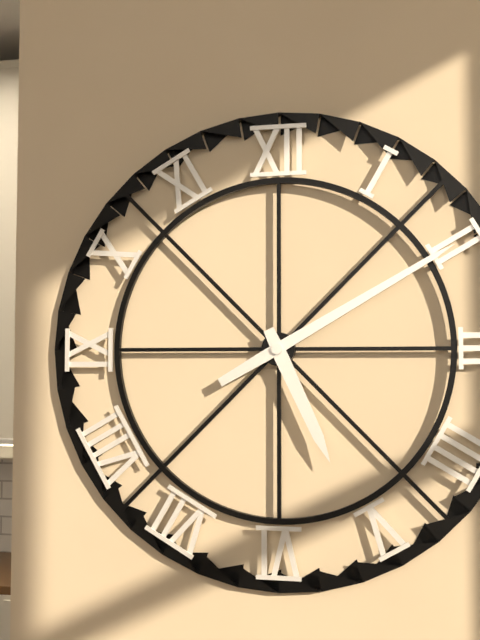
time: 5:10
